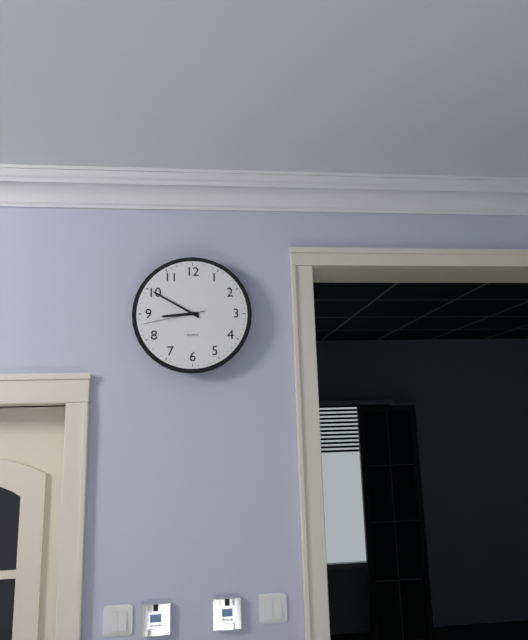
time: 8:50:43
